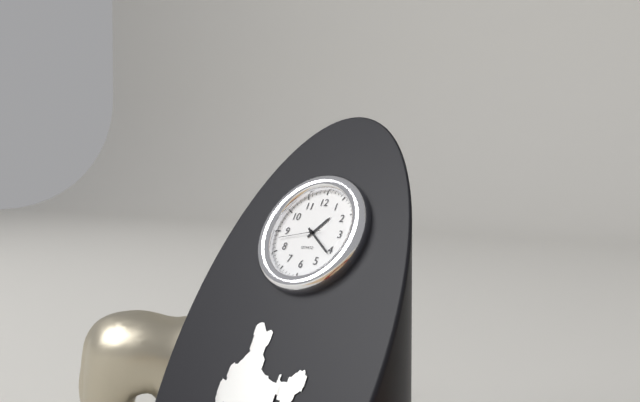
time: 1:21
